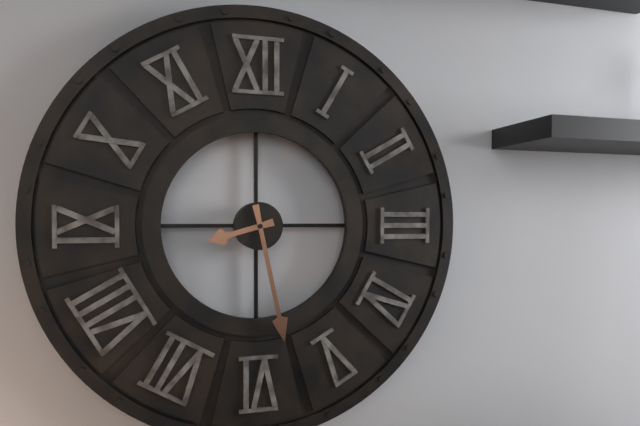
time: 8:28
